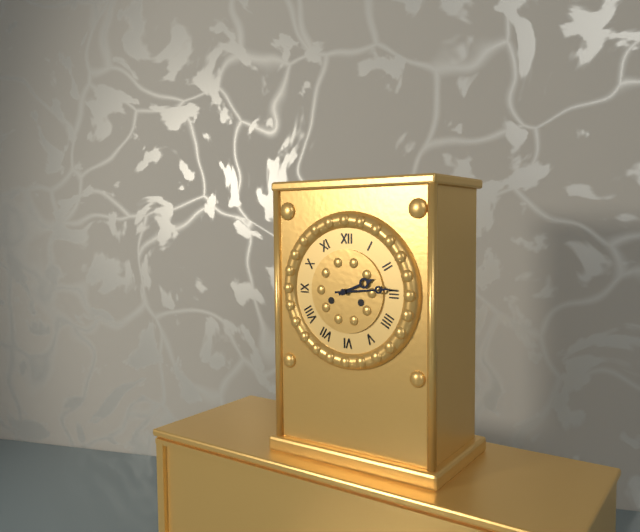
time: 2:14
